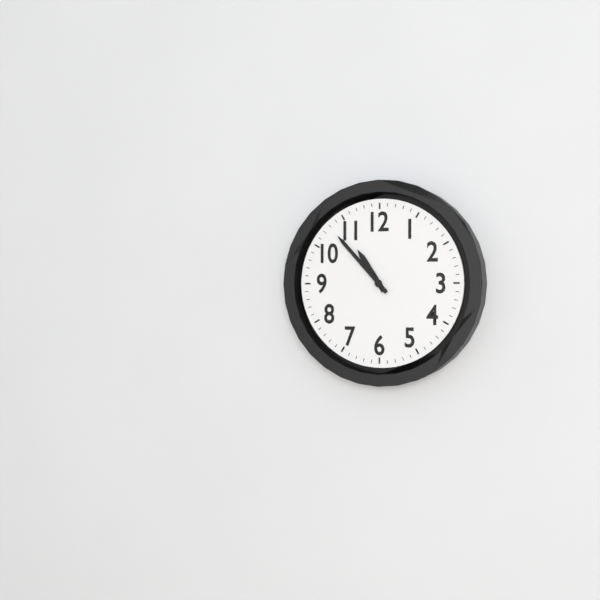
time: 10:53
